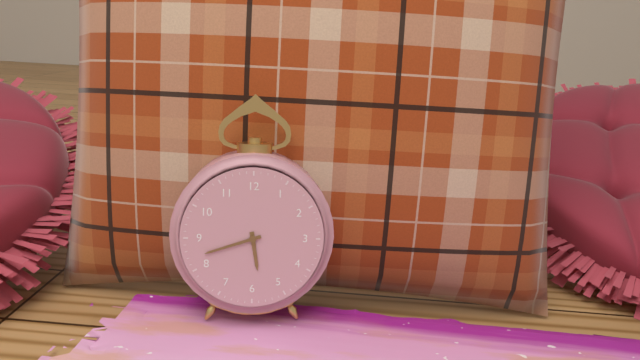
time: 5:42
